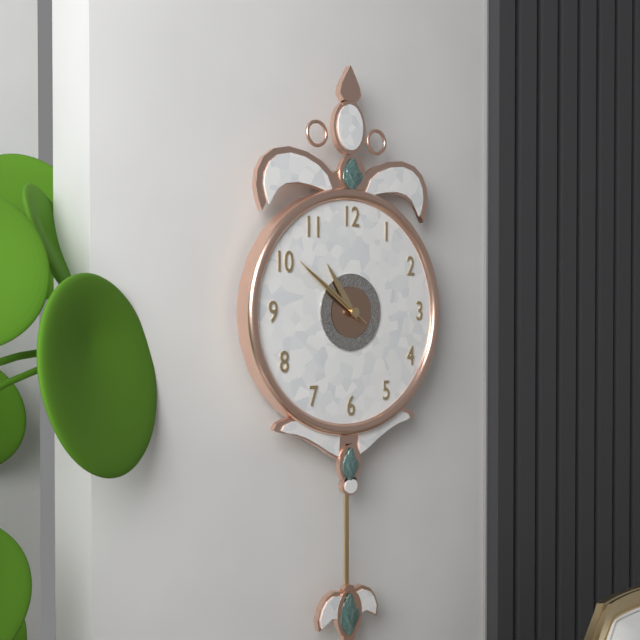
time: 10:51:51
